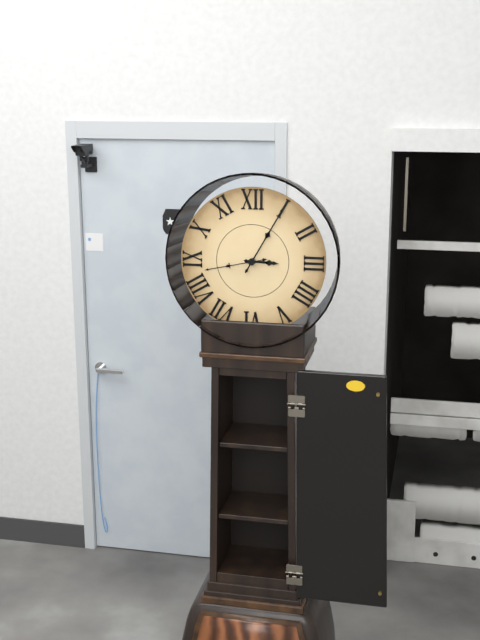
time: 3:05:43
